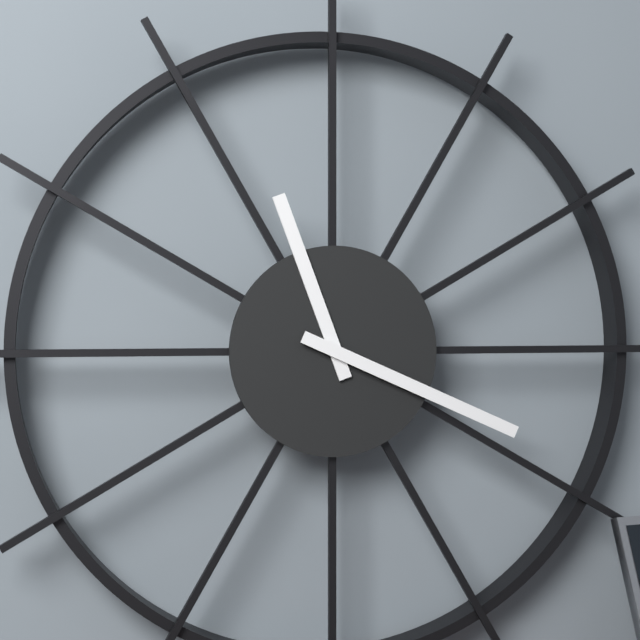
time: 11:19
